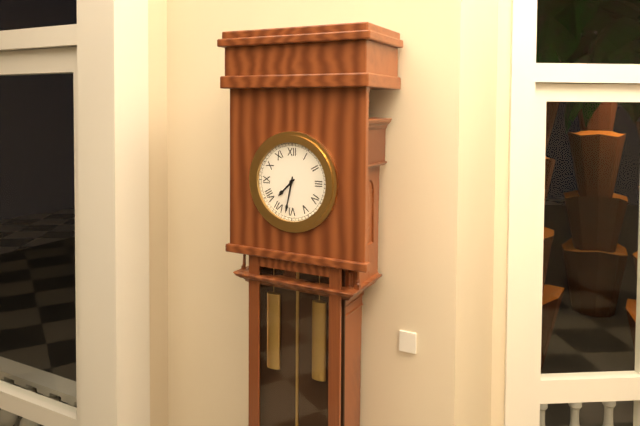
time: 7:32
